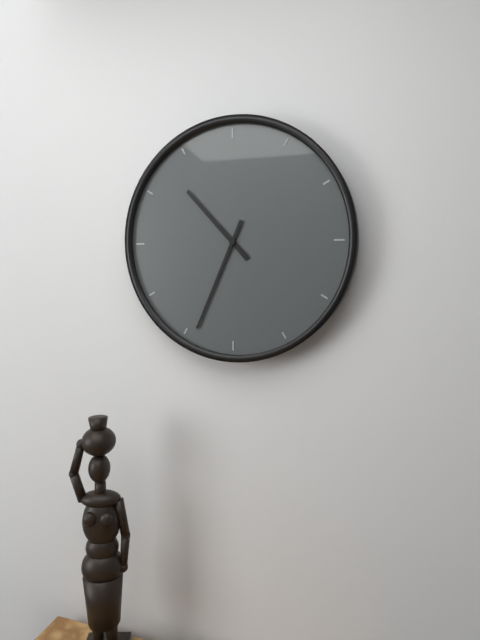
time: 10:34
